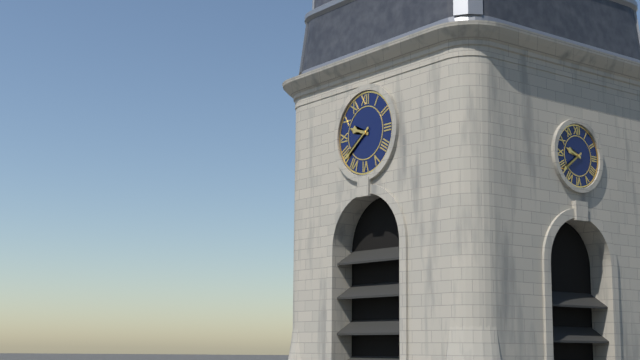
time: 9:39
